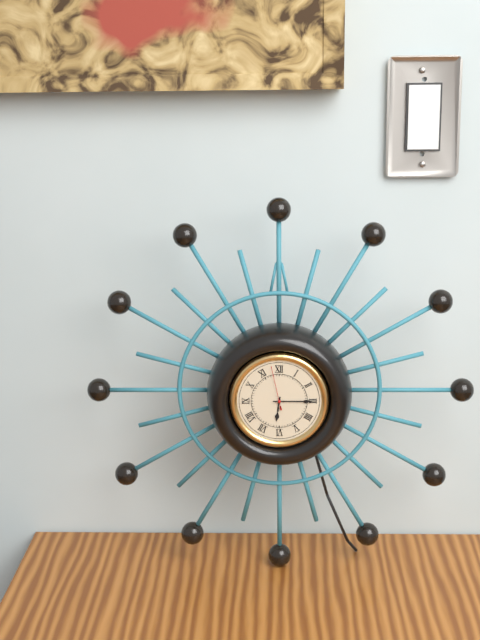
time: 6:15
